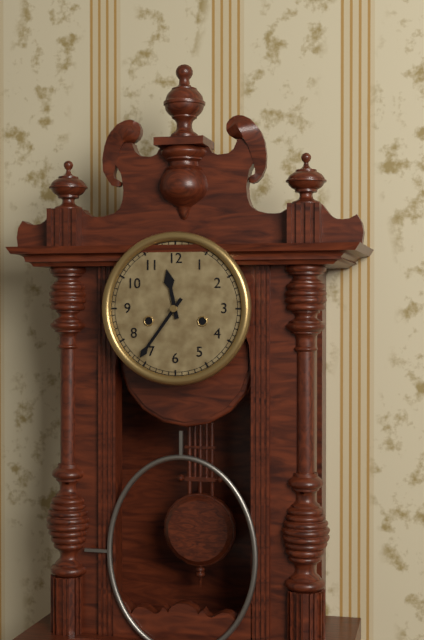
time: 11:36
